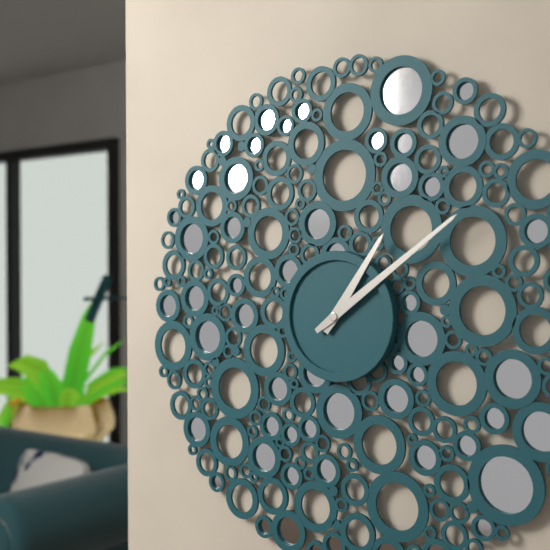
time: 1:09
